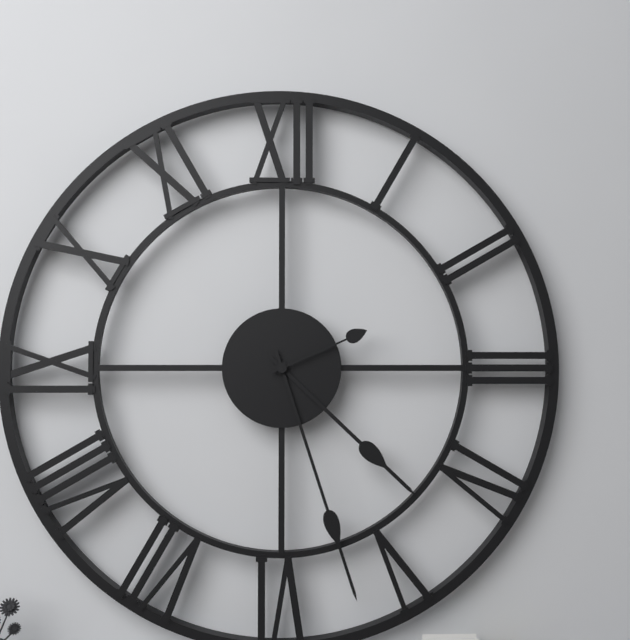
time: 4:27:11
